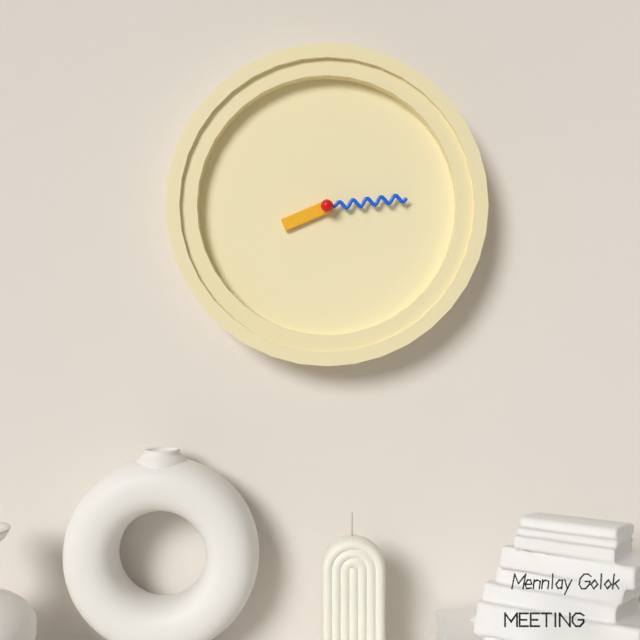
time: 8:14
